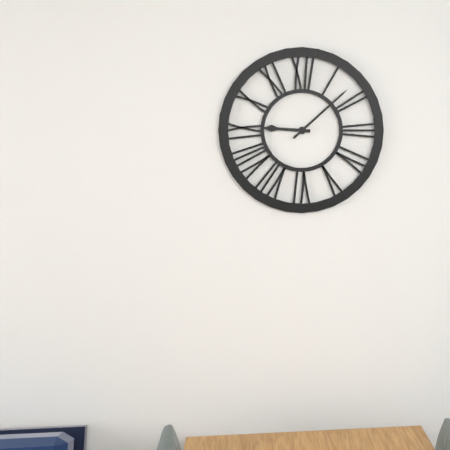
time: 9:08
